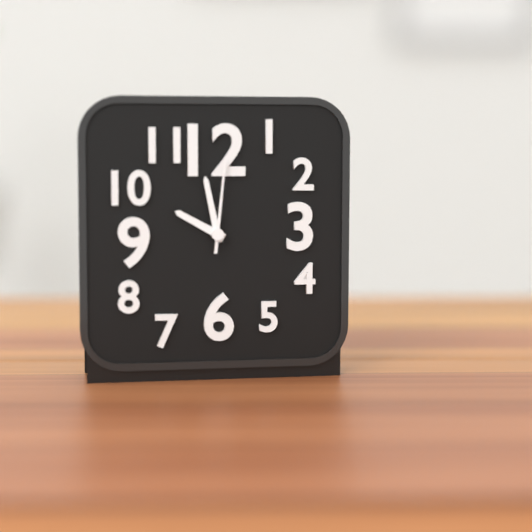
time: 9:58:01
